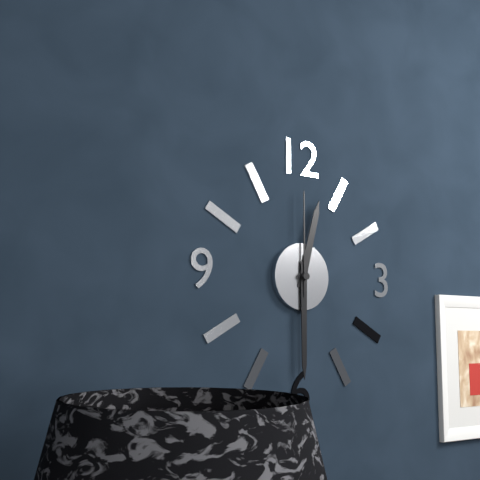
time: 12:30:00
